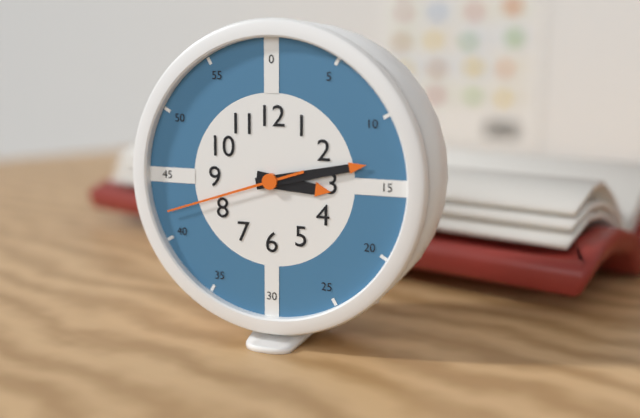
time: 3:13:42
